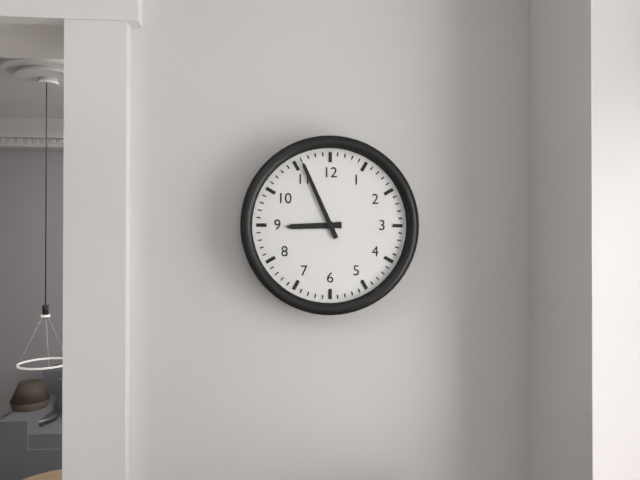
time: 8:56
